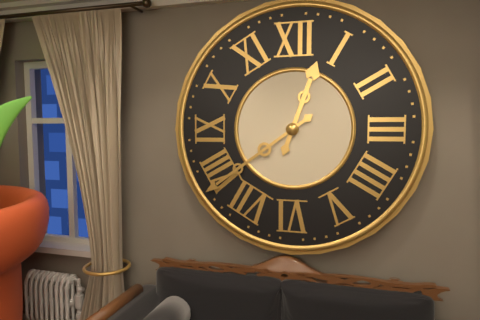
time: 12:39
